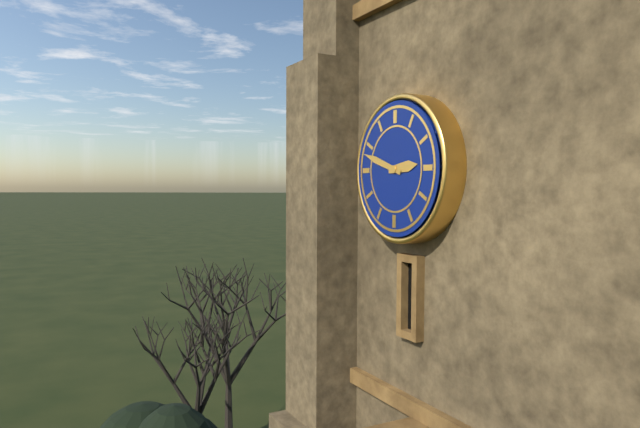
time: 2:48
